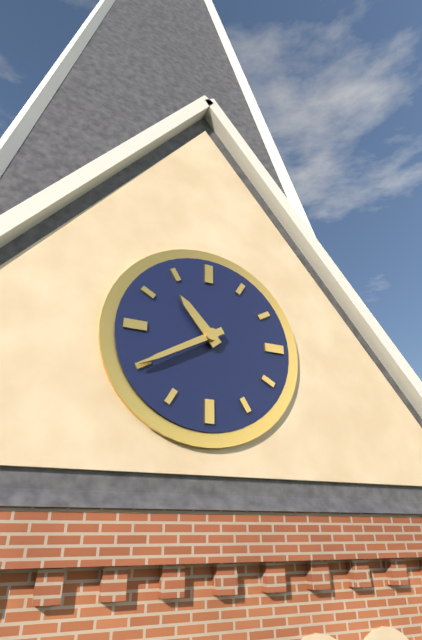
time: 10:40
